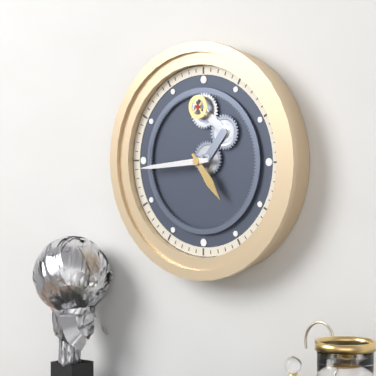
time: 4:44
